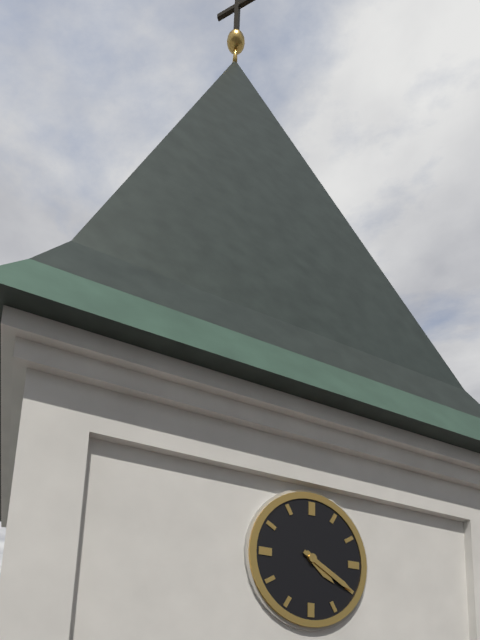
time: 4:20
